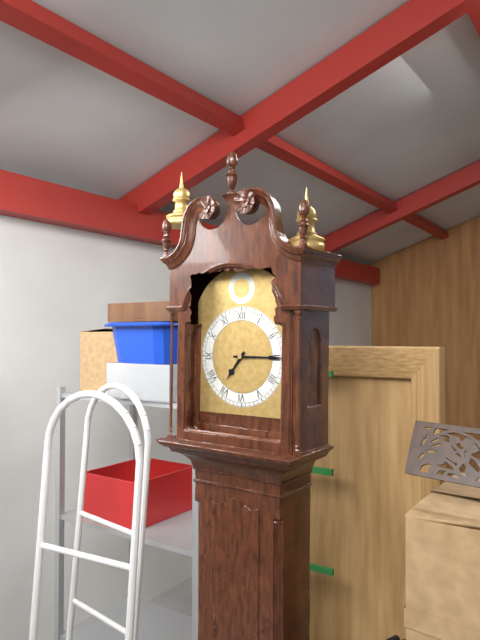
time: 7:15
